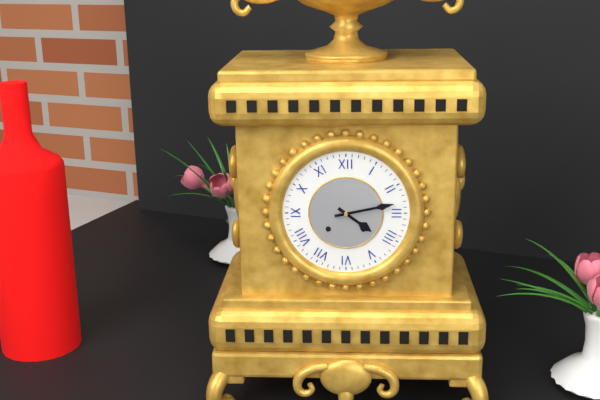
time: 4:13
